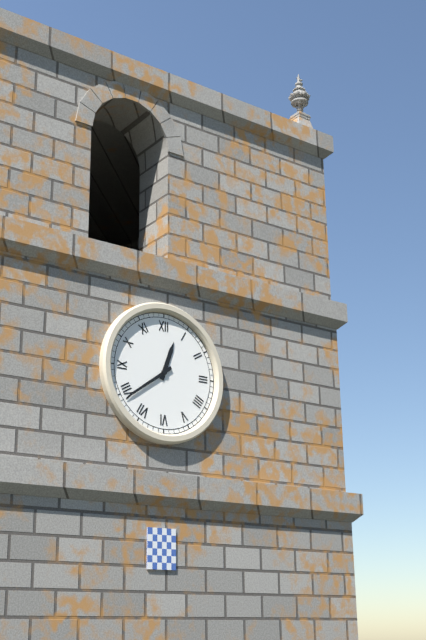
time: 12:39
